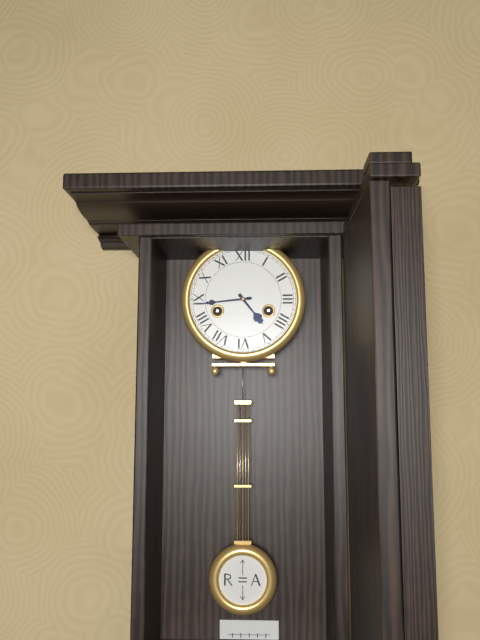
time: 4:44
